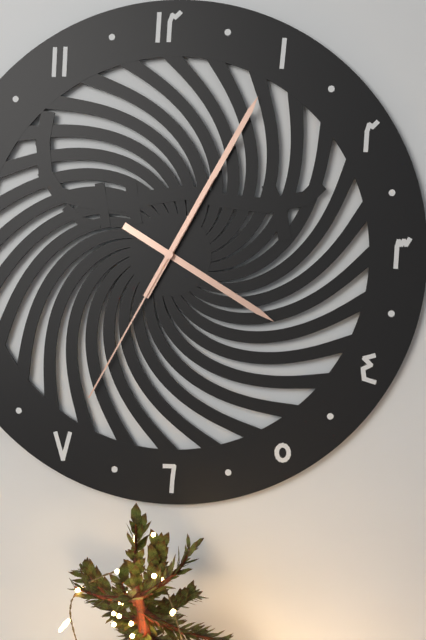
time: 4:05:35
